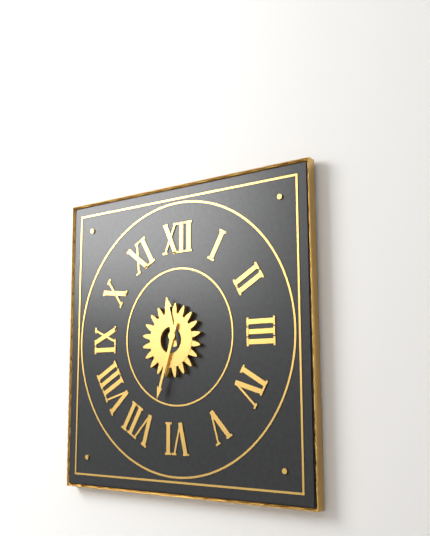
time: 11:33
